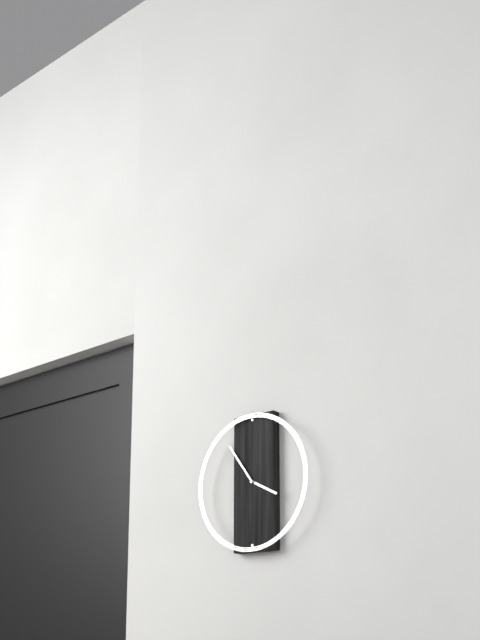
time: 3:54
